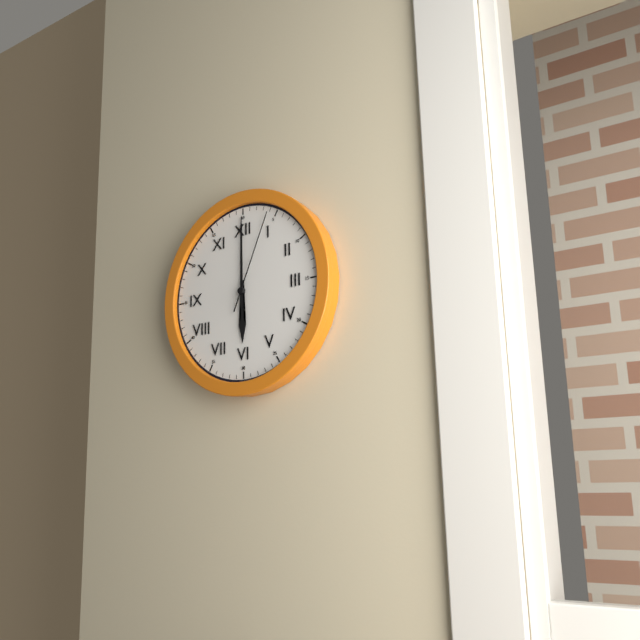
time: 6:00:04
